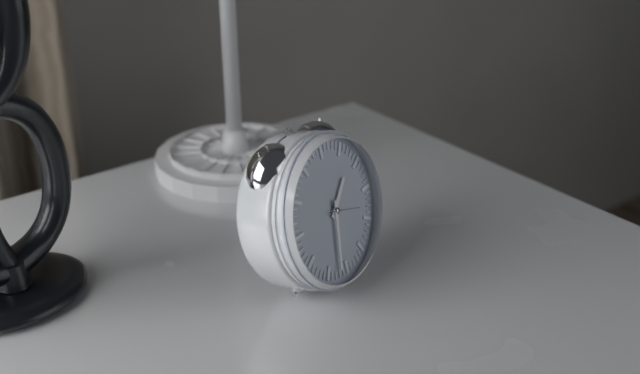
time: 1:32
